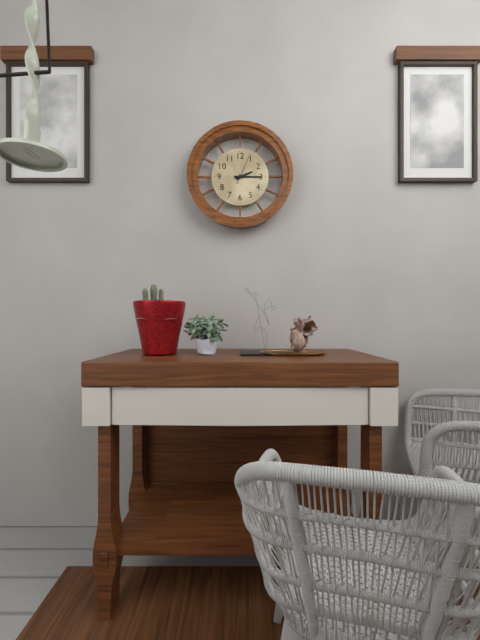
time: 2:15
